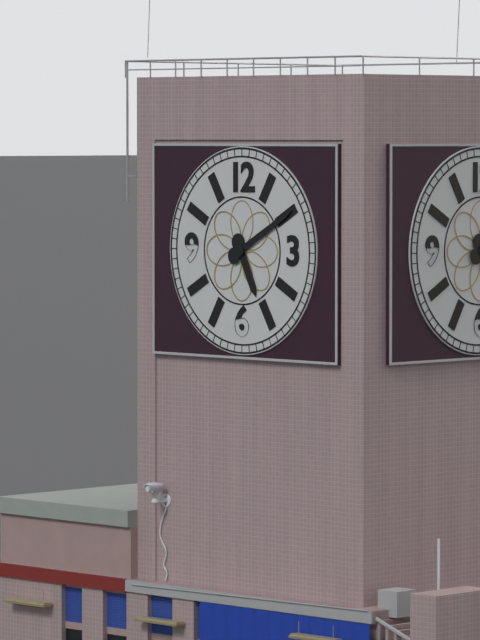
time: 5:10
